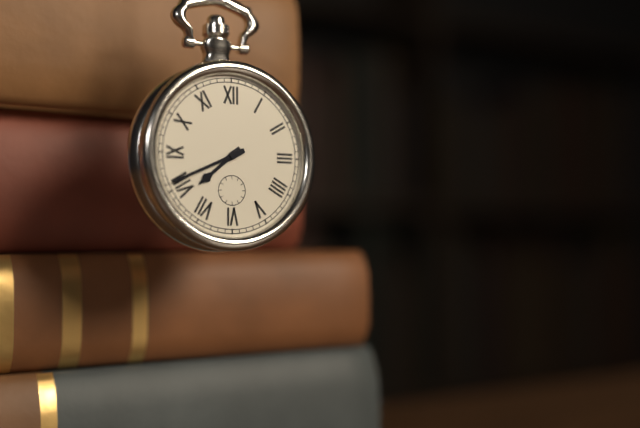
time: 7:41
